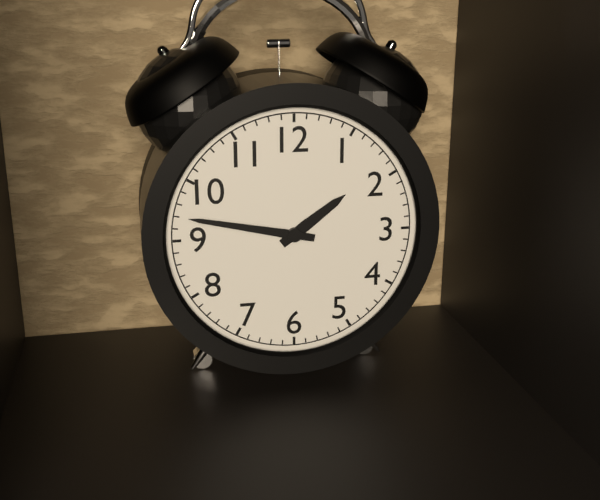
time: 1:47
